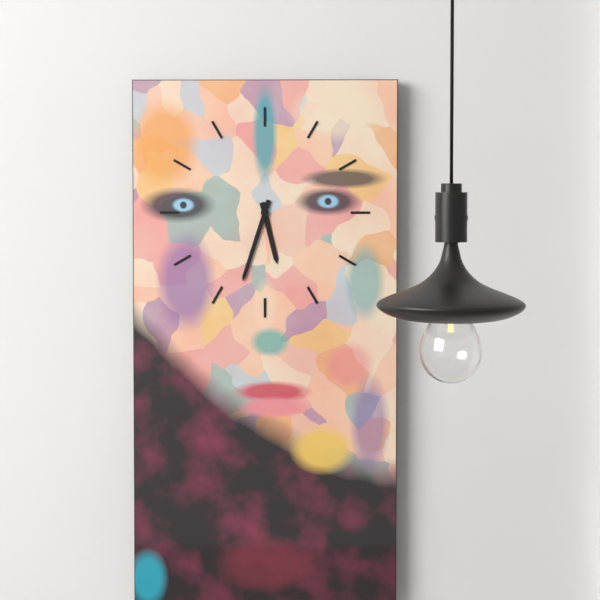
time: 5:33
